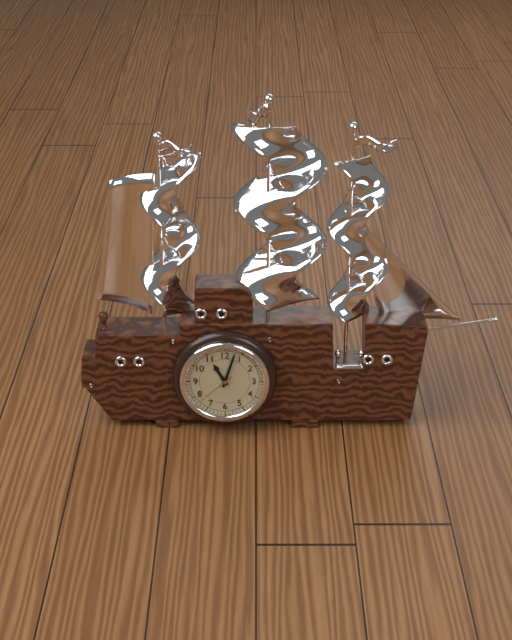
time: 11:03
